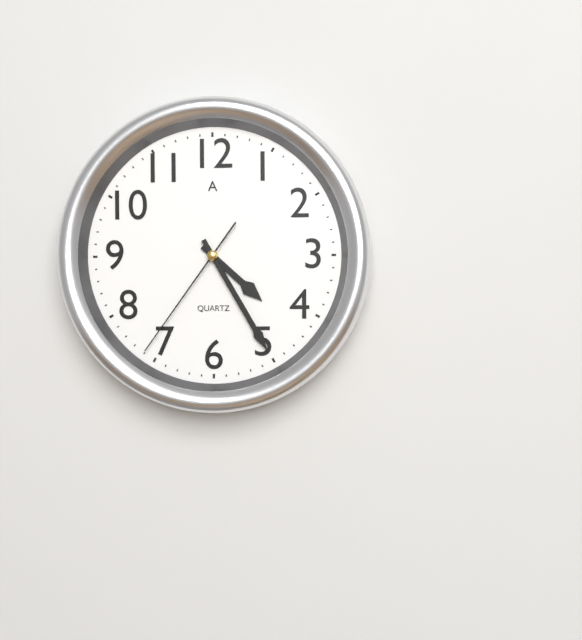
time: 4:25:36
